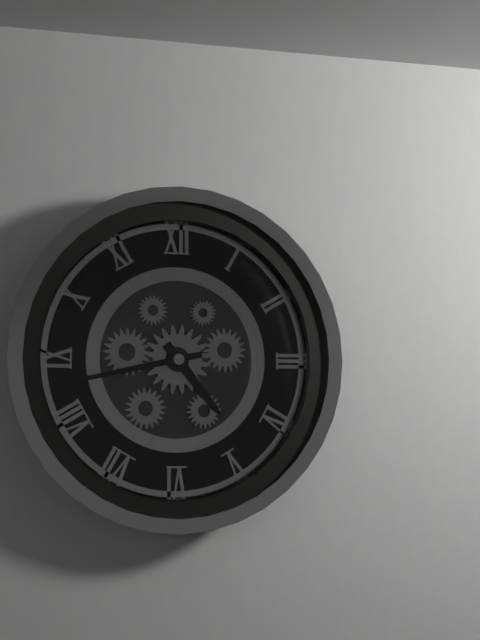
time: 4:43
